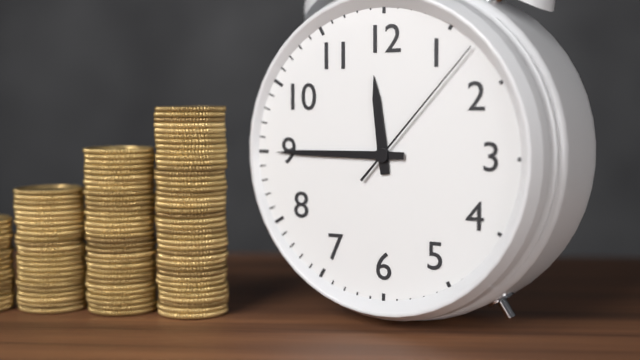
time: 11:45:07
